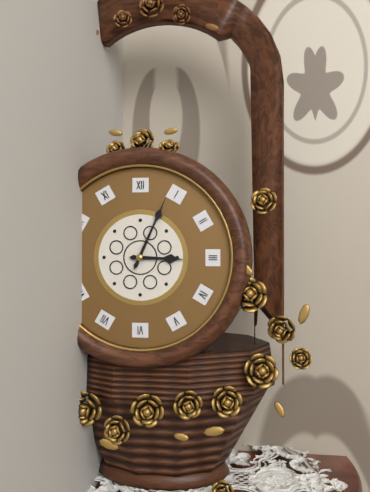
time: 3:04
